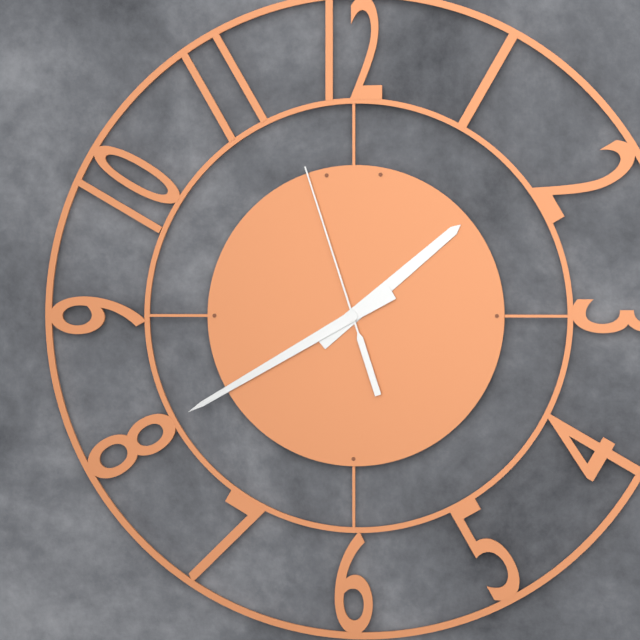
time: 1:40:57
